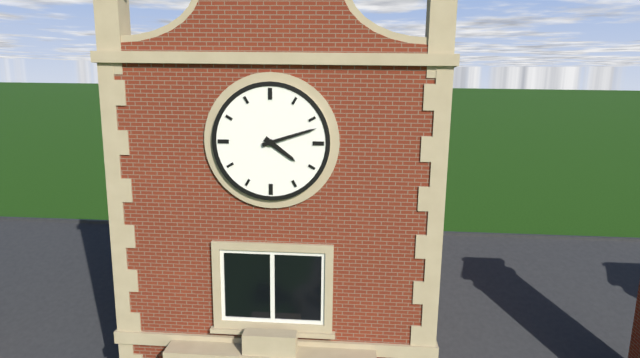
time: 4:12
